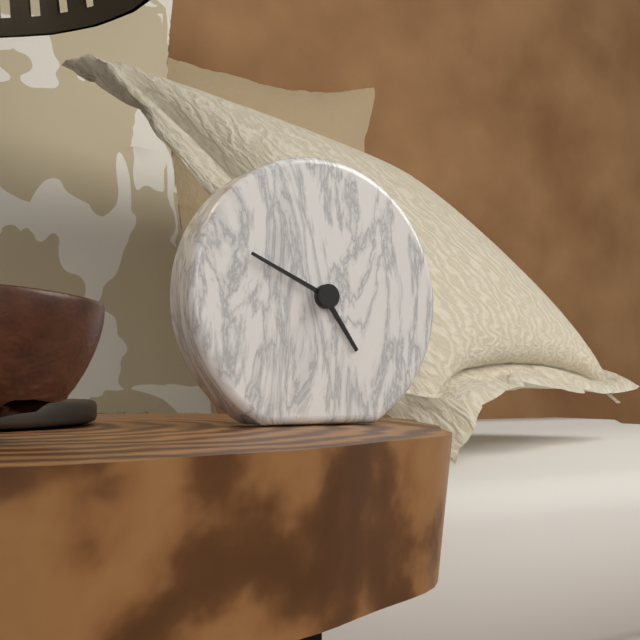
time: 4:49
